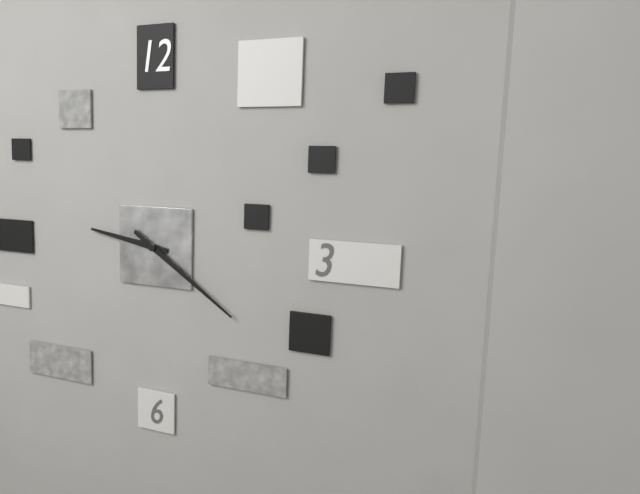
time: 9:21
